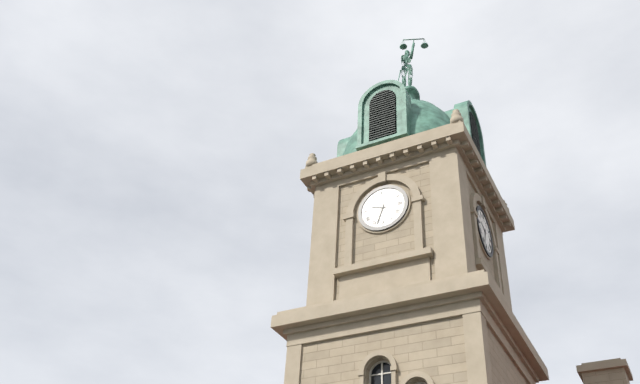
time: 9:33
